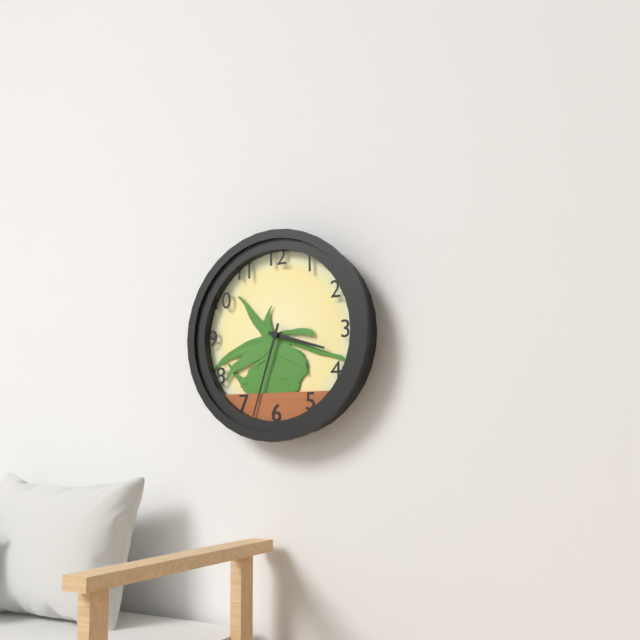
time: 3:33
